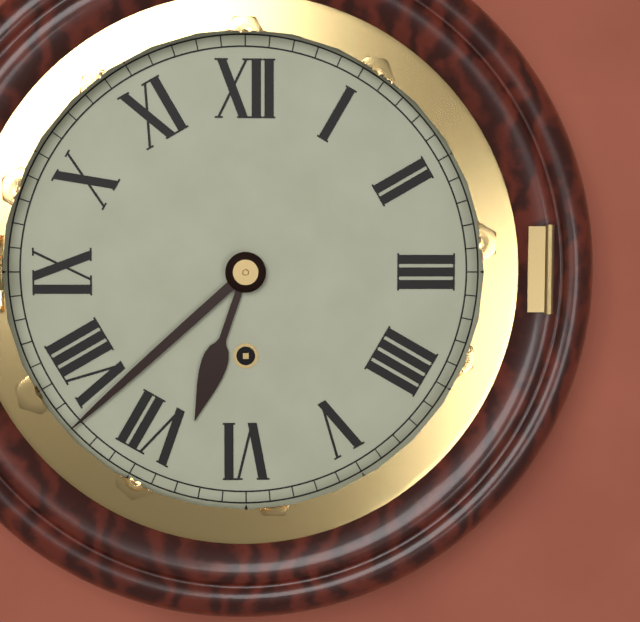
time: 6:38
